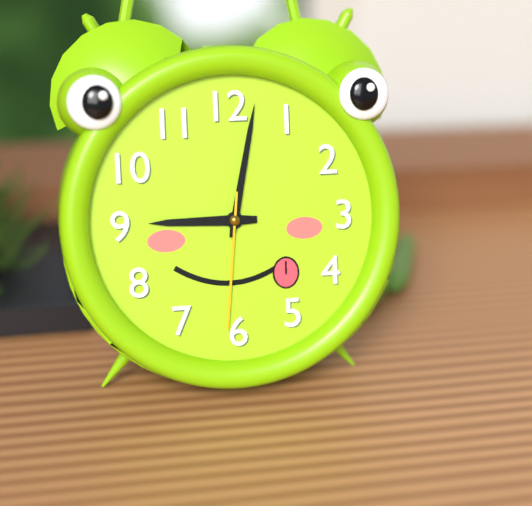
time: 9:02:31
